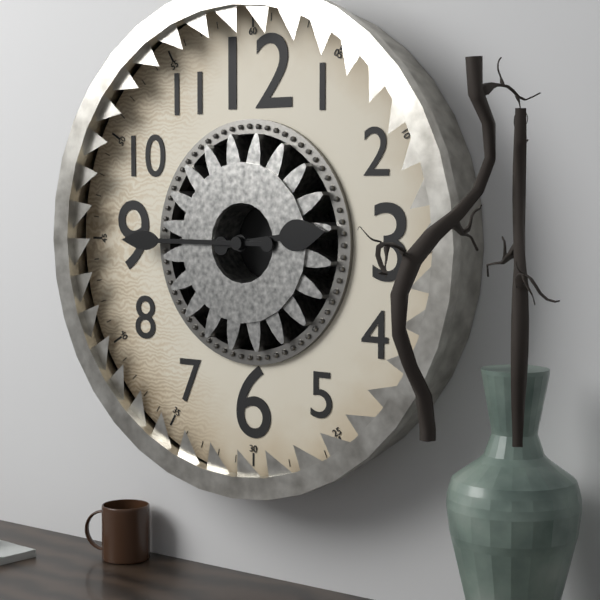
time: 2:45
